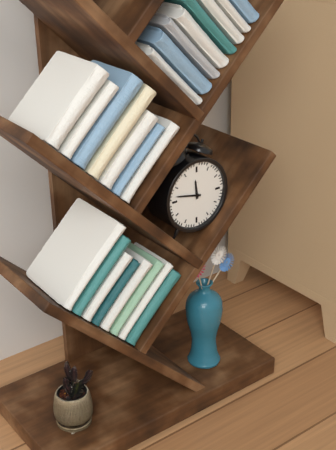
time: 11:47
